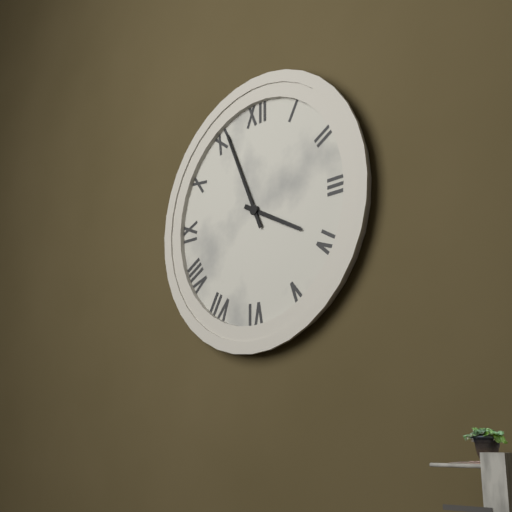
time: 3:56
